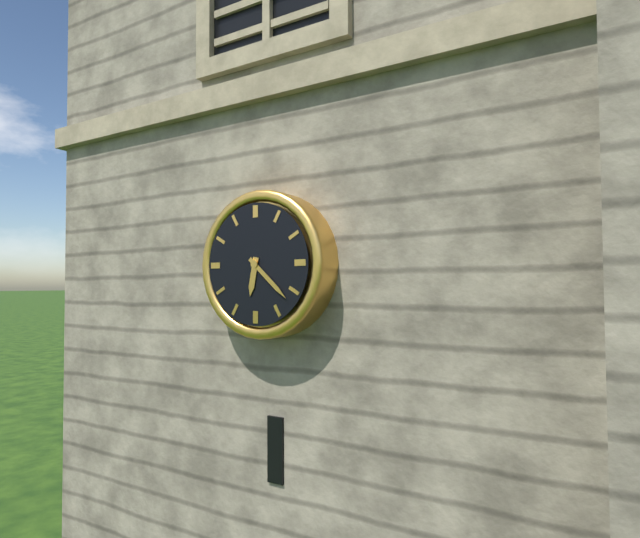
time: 6:22
